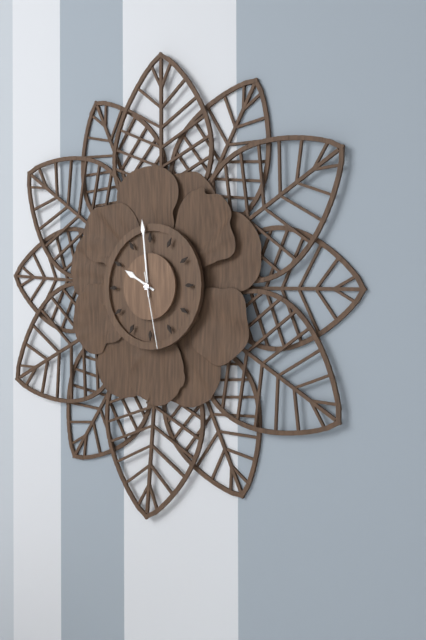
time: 9:59:28
